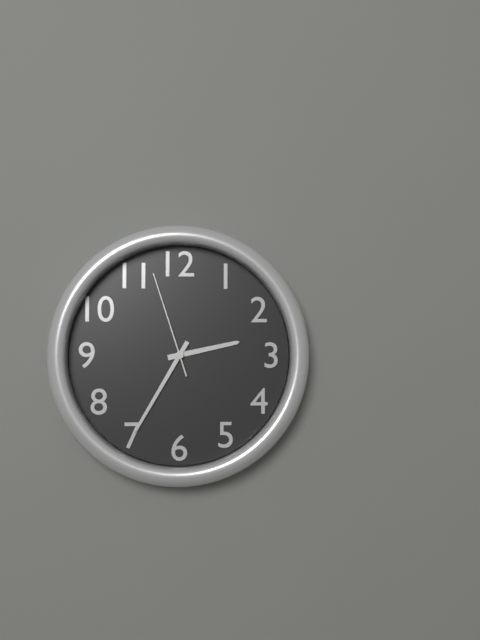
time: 2:35:57
